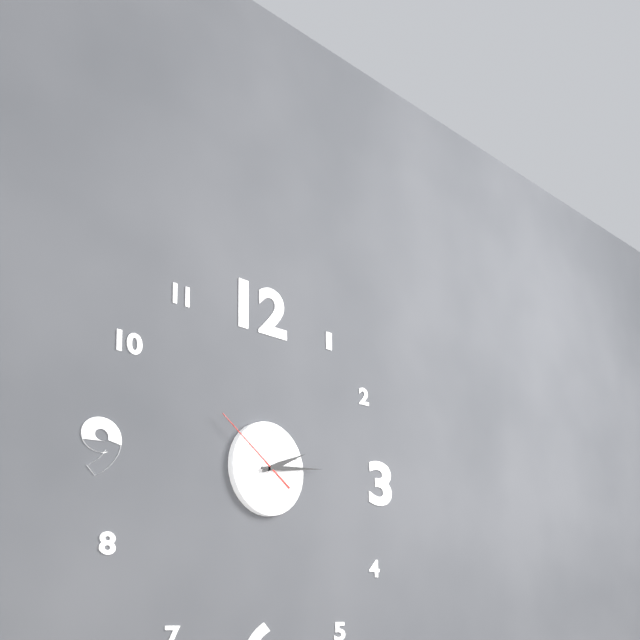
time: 2:14:51
